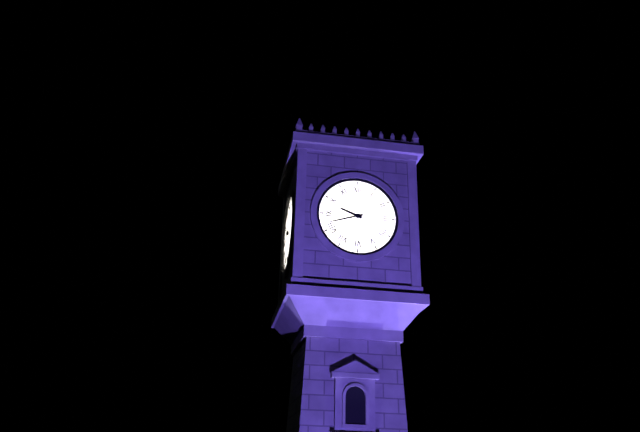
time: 9:42
